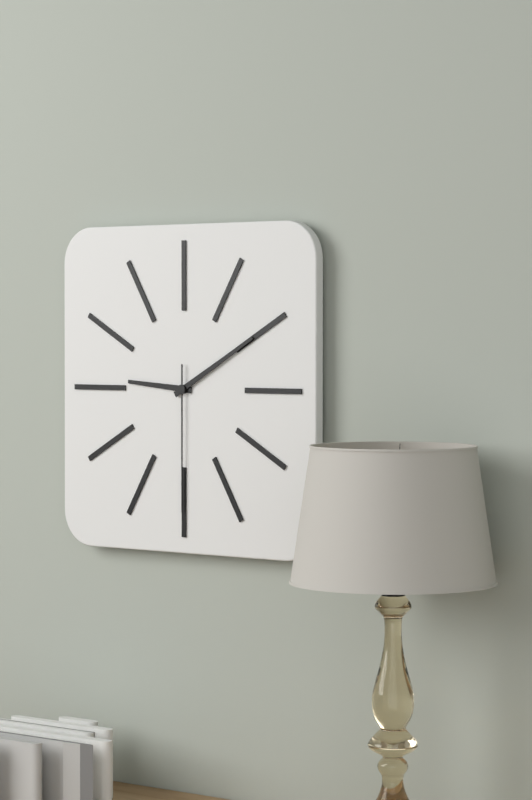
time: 9:10:30
